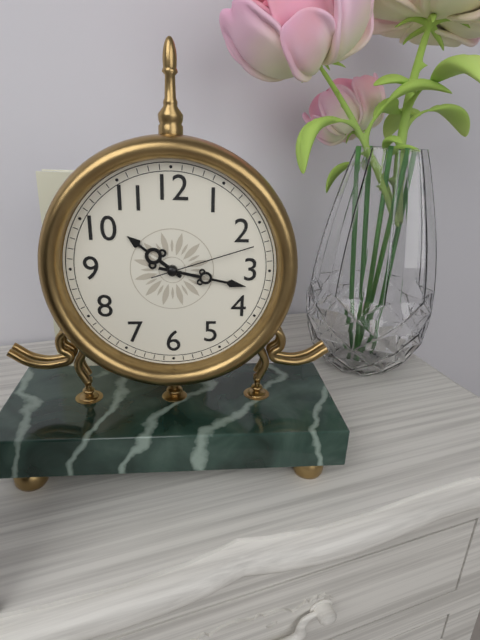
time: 10:17:12
